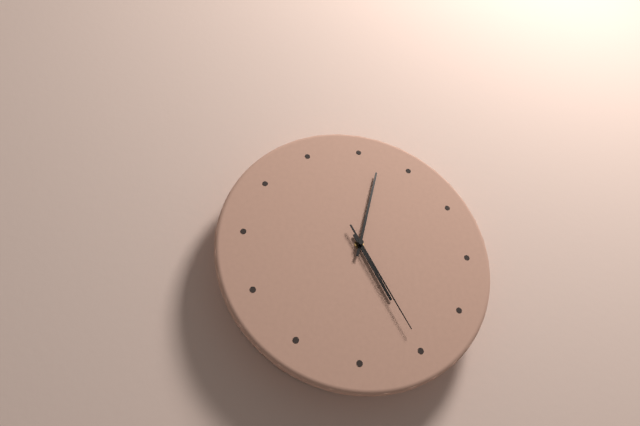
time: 5:02:25
